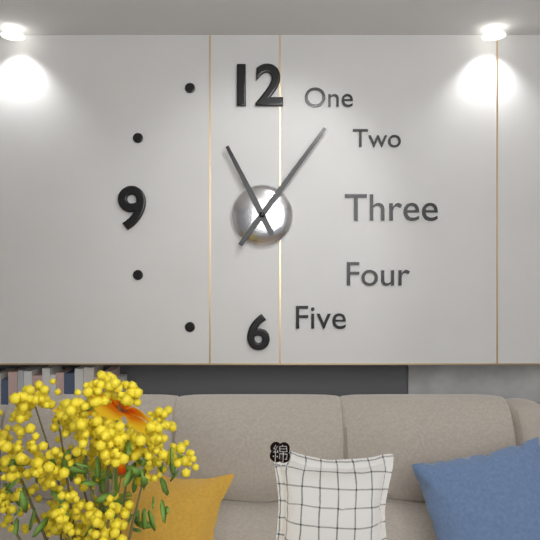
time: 11:06
